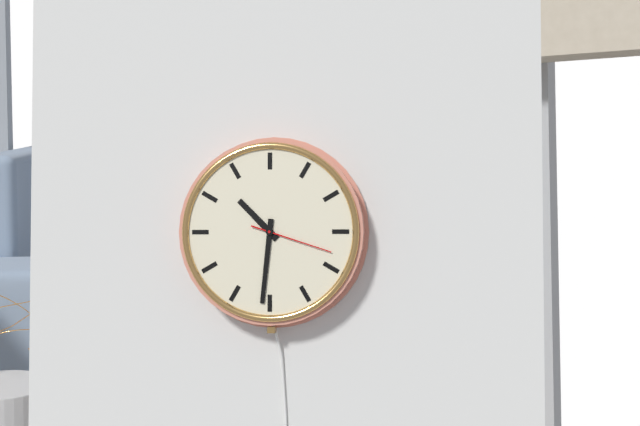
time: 10:31:18
